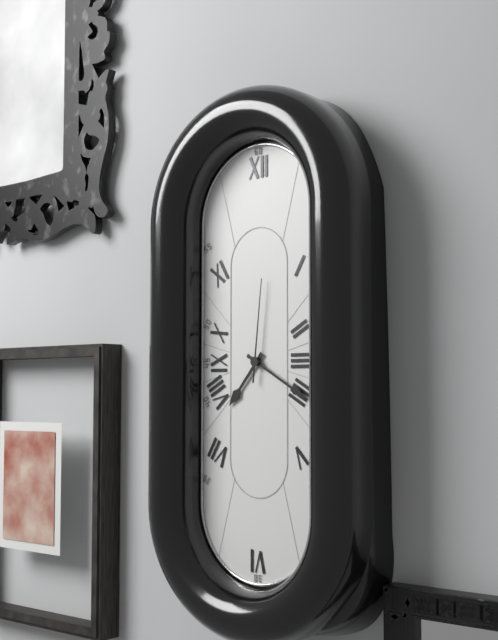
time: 7:20:01
